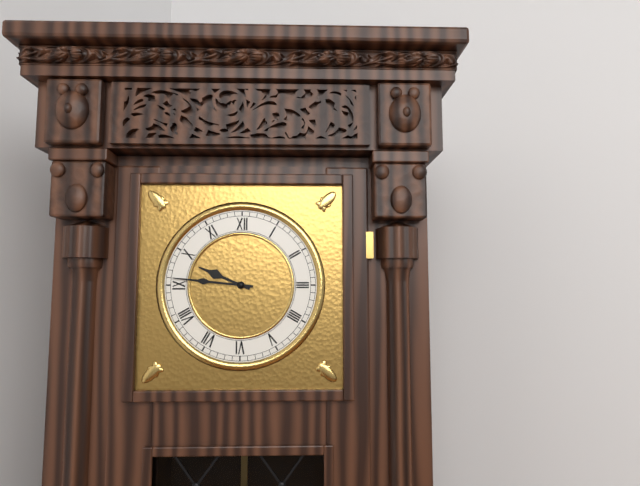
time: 9:46
